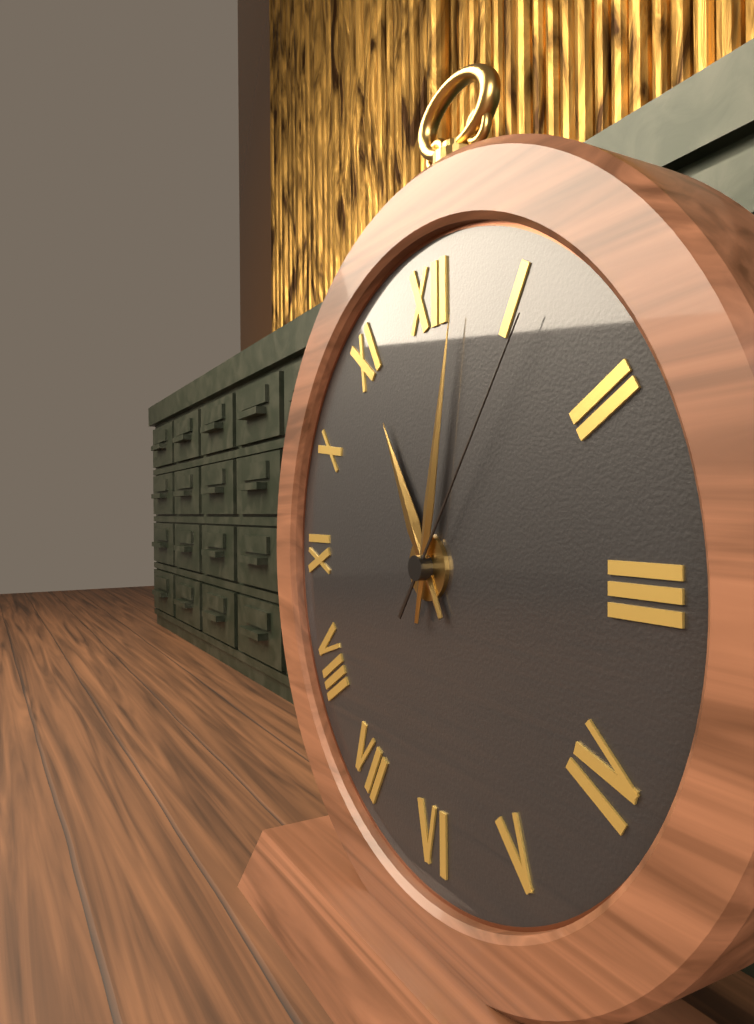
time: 11:02:06
